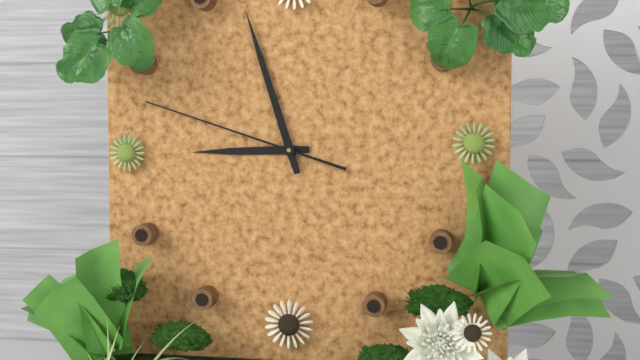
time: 8:57:48
